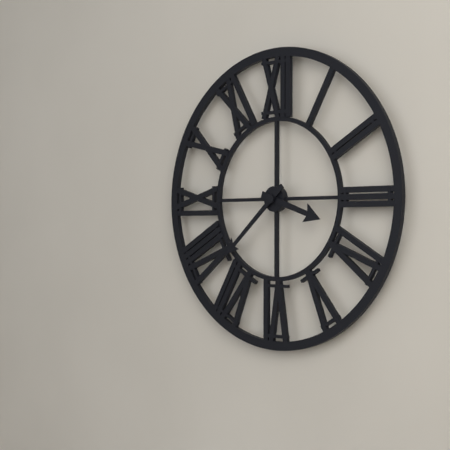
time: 3:38
